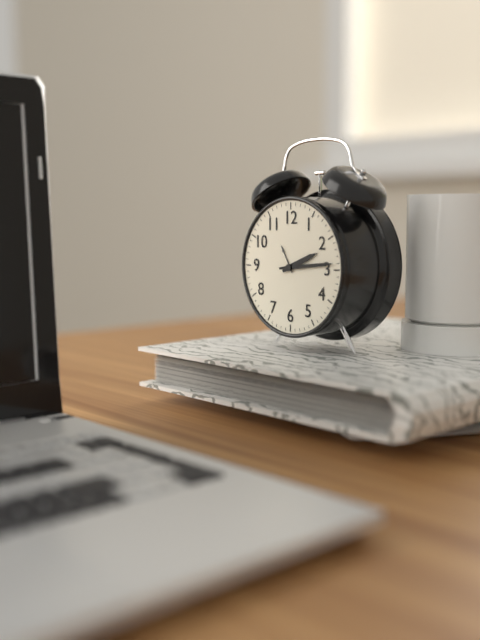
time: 2:14
